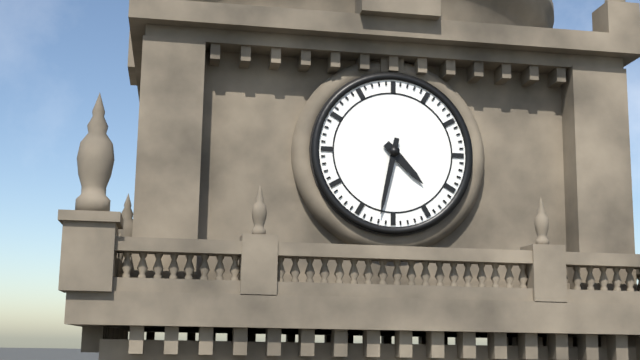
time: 4:32
